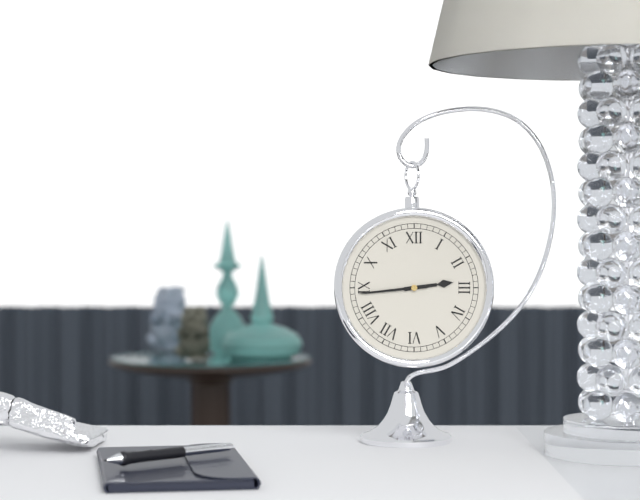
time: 2:44
